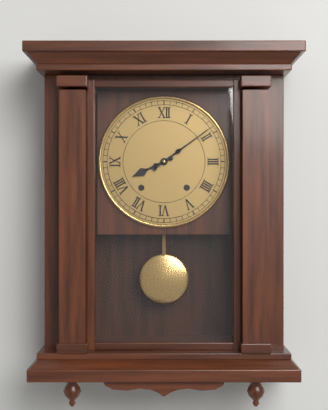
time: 8:09
